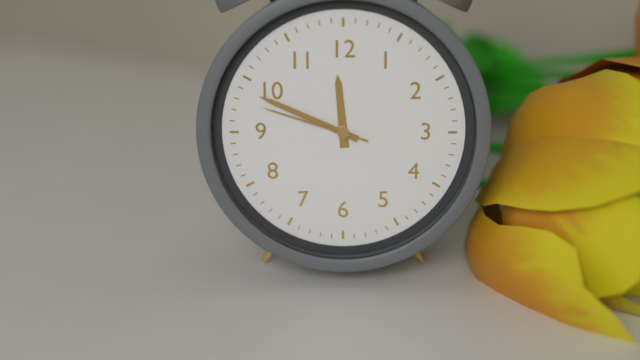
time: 11:49:48
